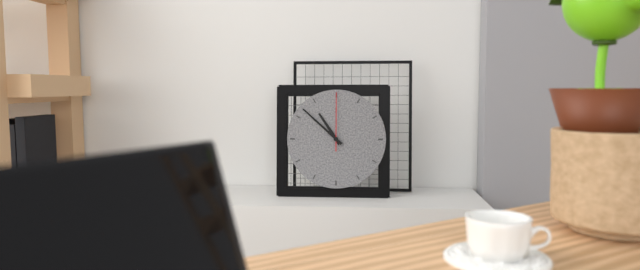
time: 10:52:00
